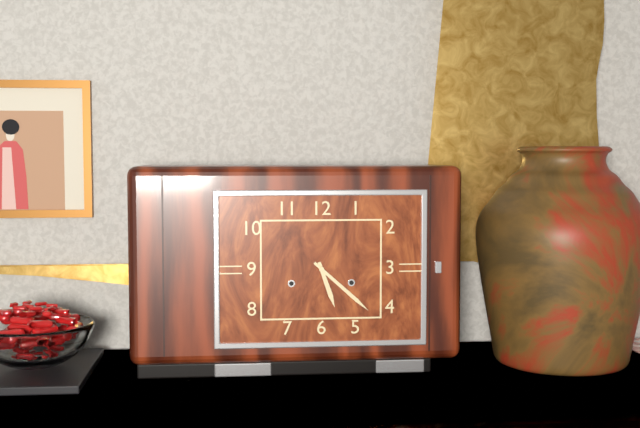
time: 5:22
